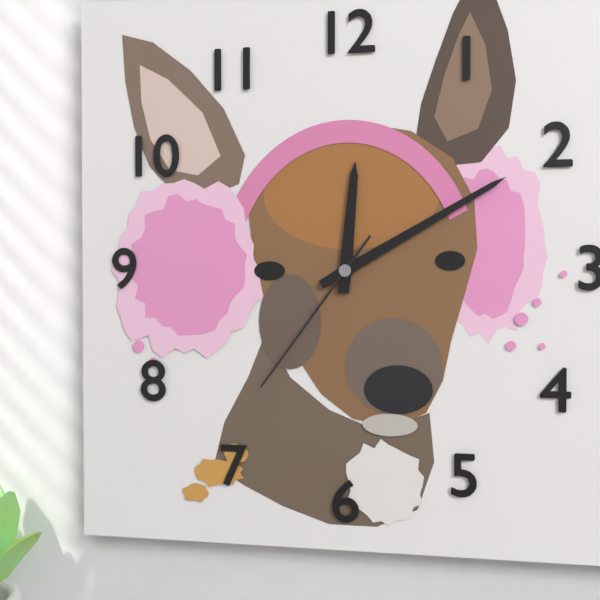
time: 12:10:36
